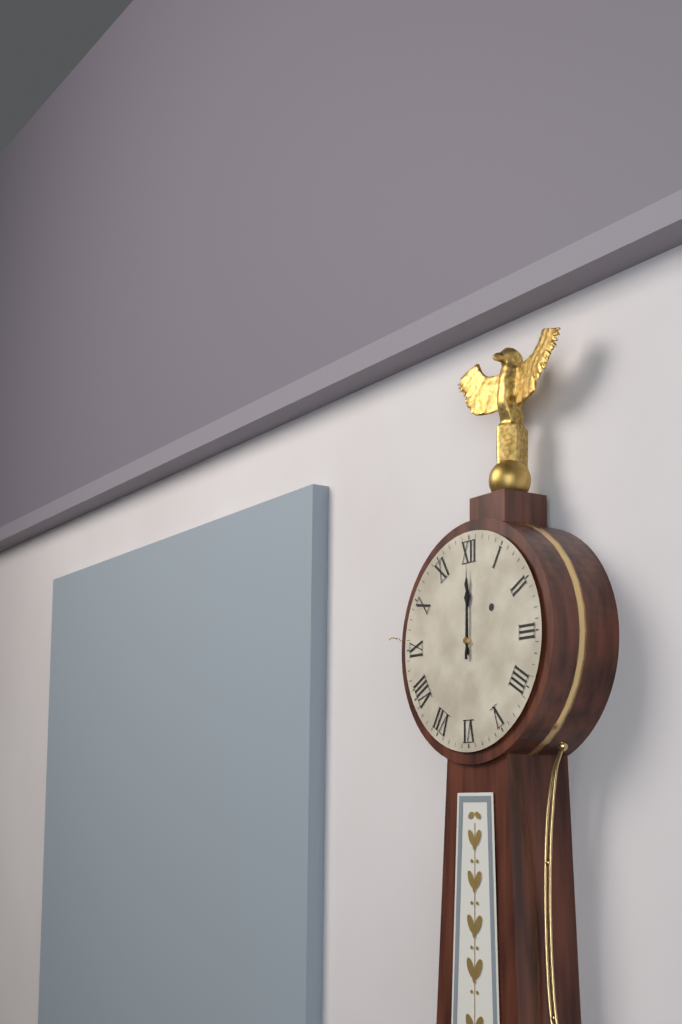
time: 12:00
